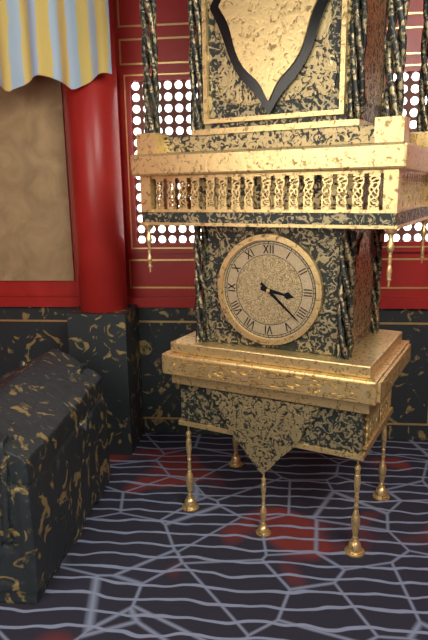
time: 3:22
